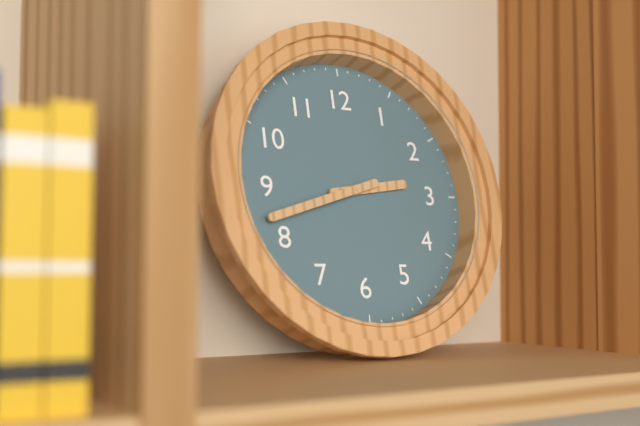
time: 2:42
